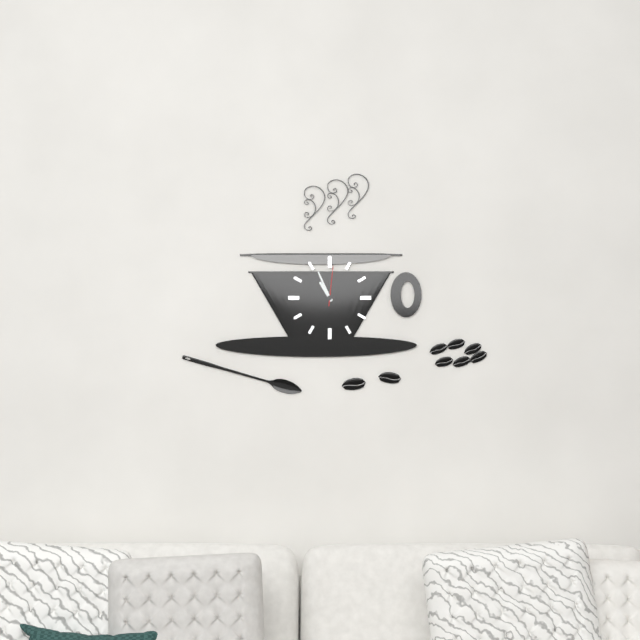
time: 10:56
